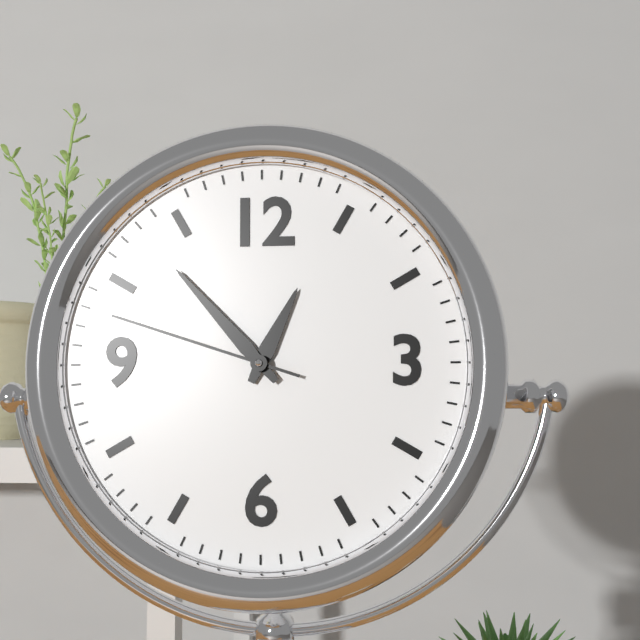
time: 12:53:48
